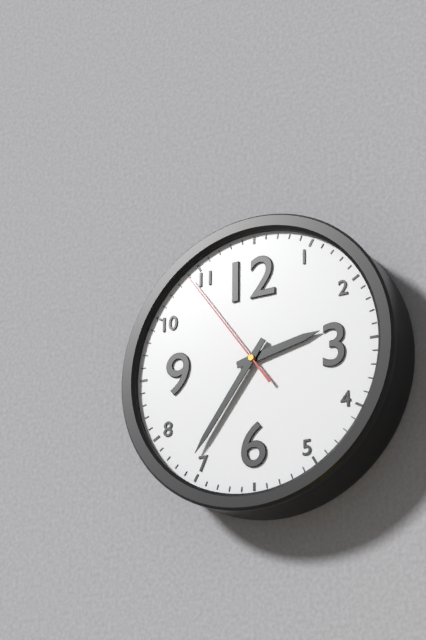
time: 2:36:54
